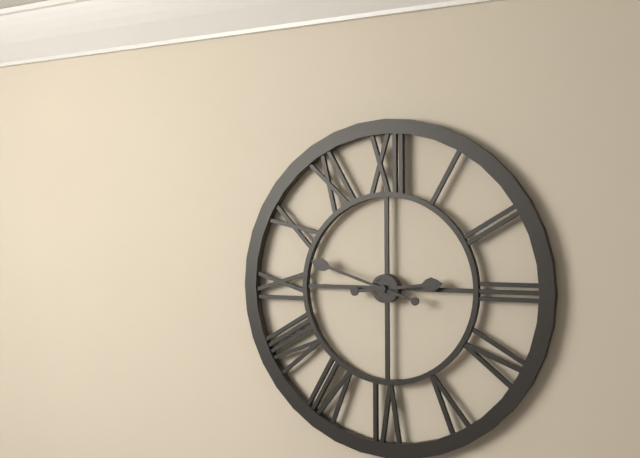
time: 2:48
